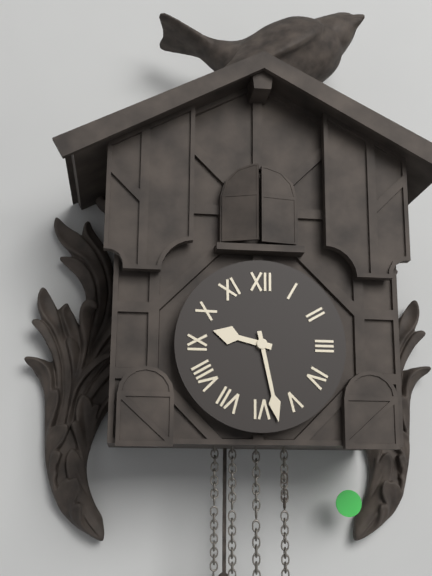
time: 9:28
